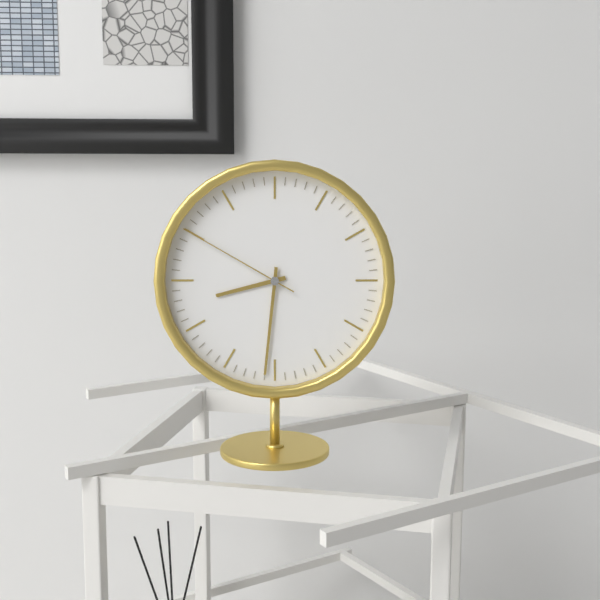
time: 8:31:50
